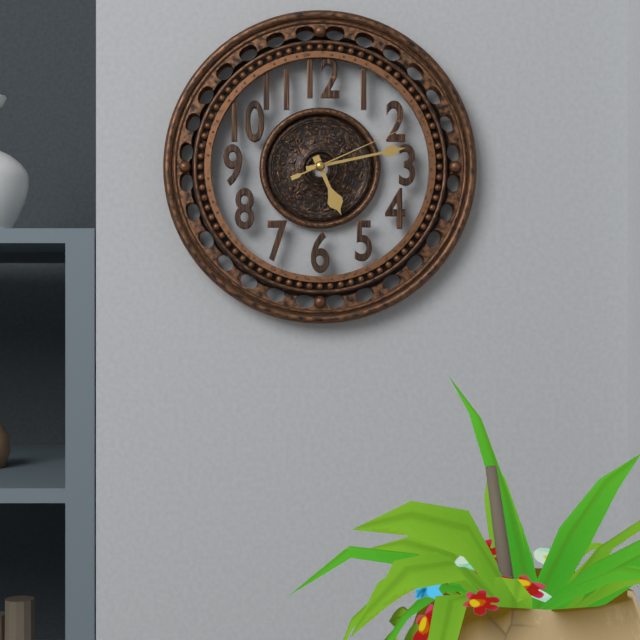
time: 5:13:11
